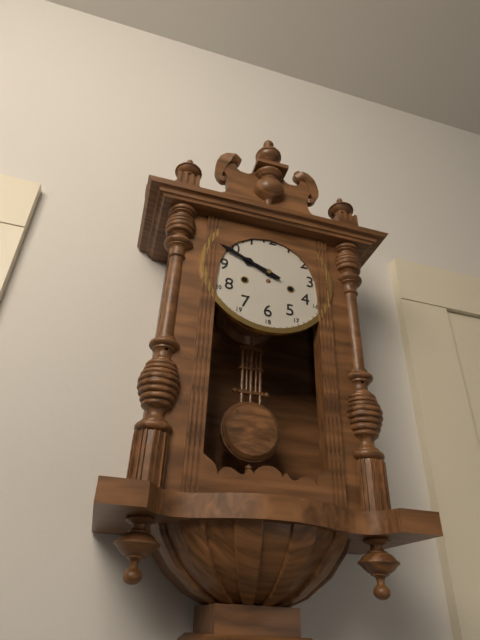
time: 9:49
